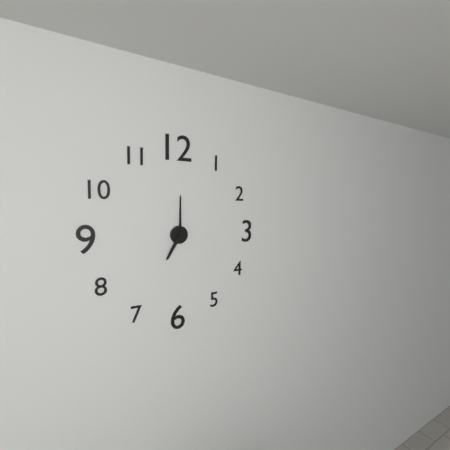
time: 7:00
